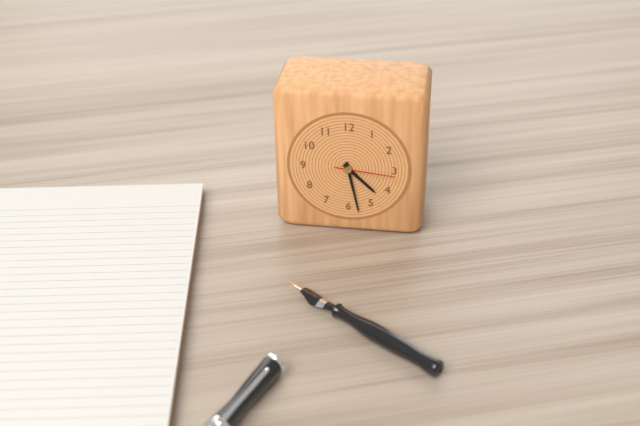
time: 4:28:16
